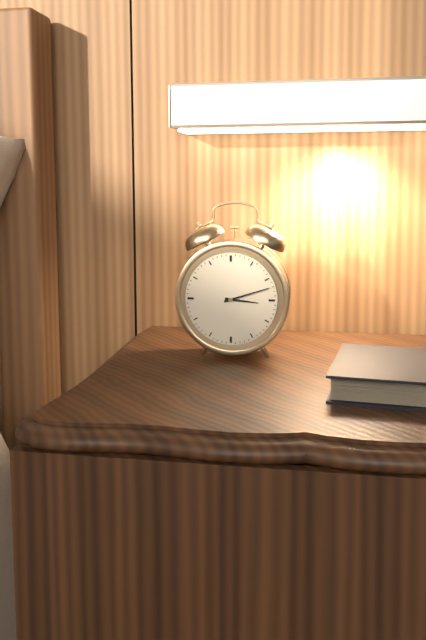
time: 3:12
